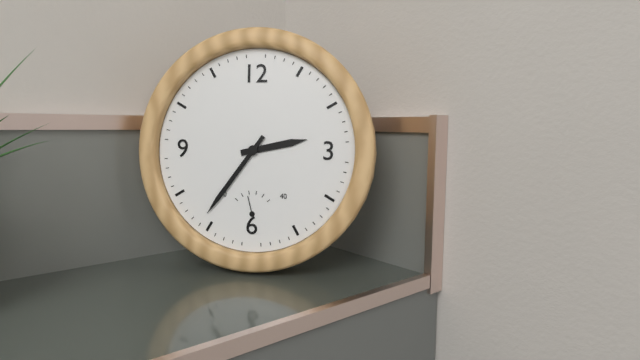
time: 2:36
